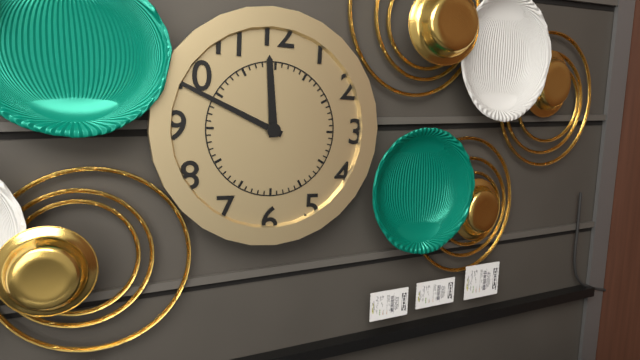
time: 11:49
